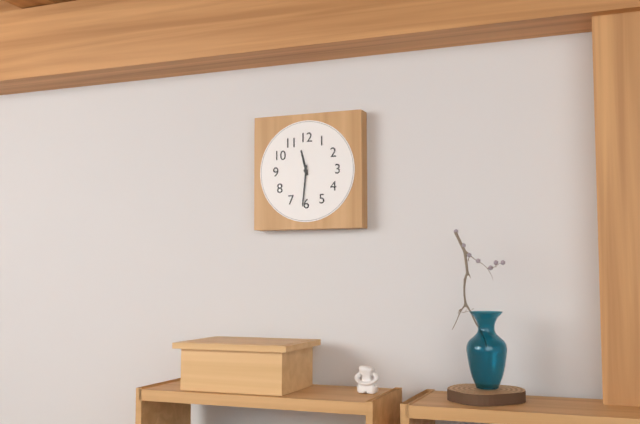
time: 11:31
